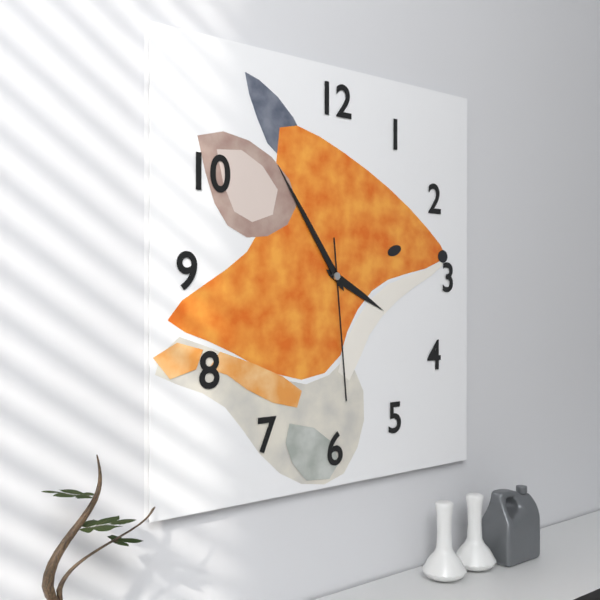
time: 3:54:29
